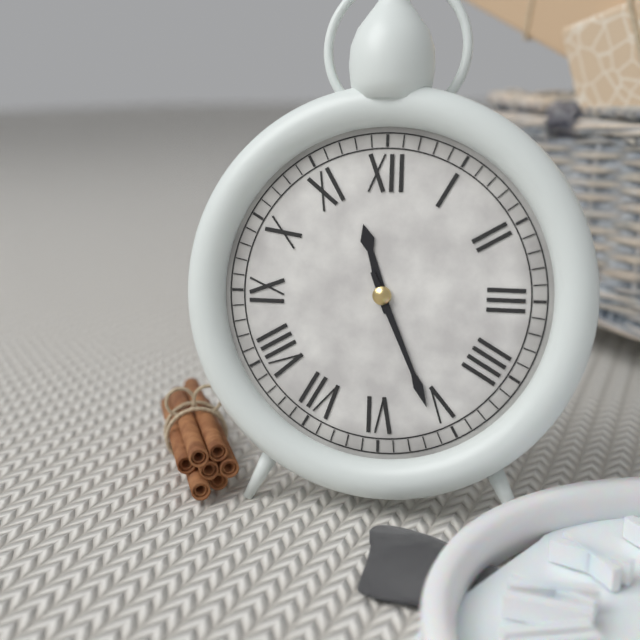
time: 11:26
